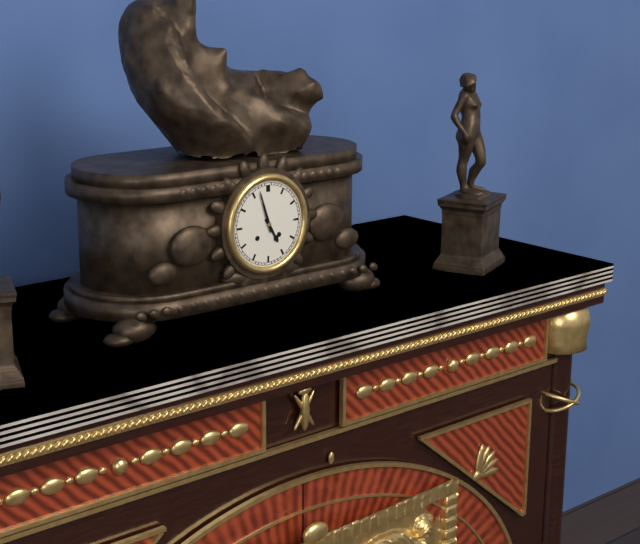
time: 4:57
